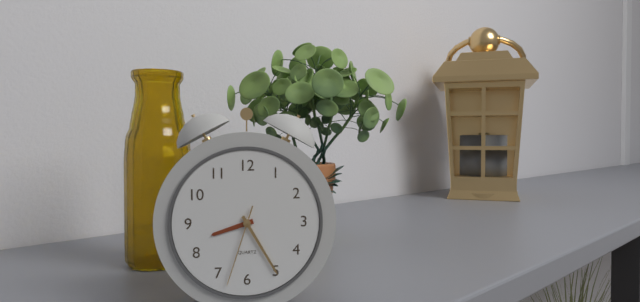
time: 8:25:33
